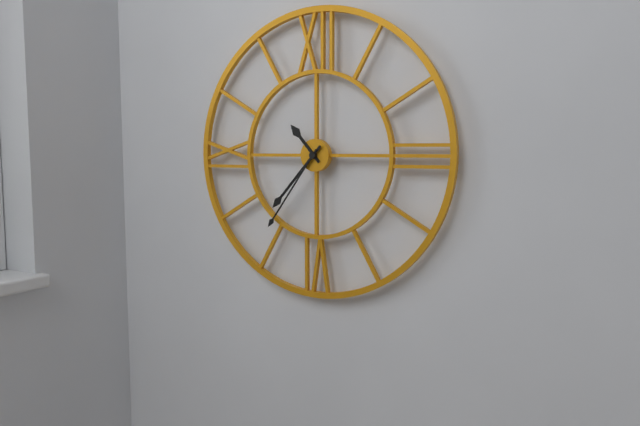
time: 10:37:36
